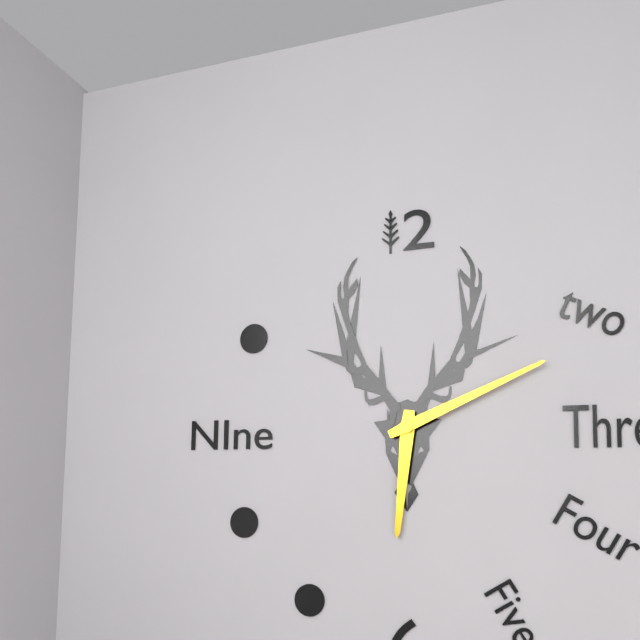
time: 6:11
